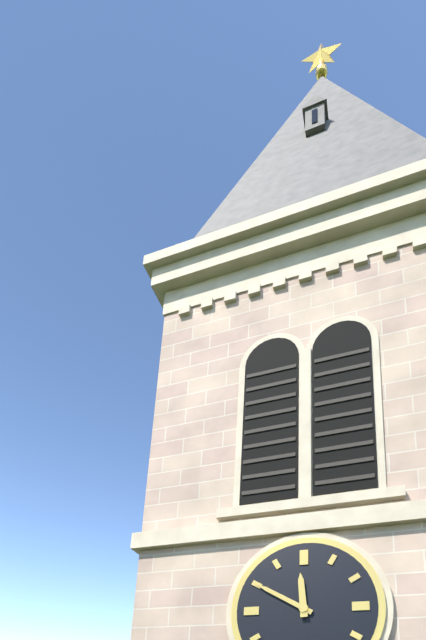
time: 11:50
